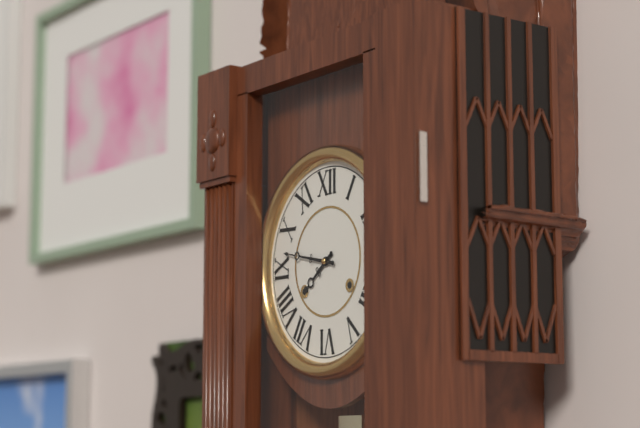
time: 7:47
